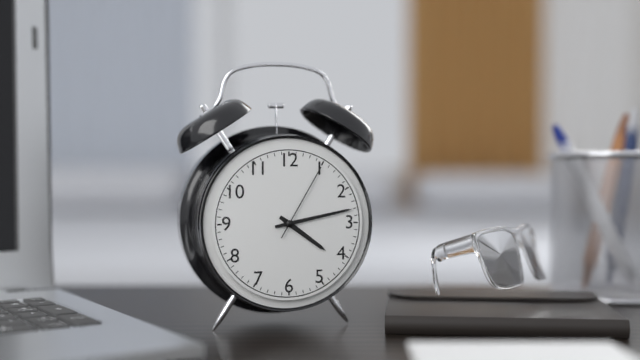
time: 4:13:05
